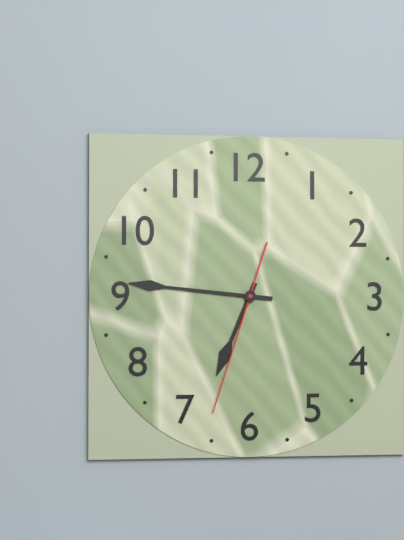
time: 6:46:33
